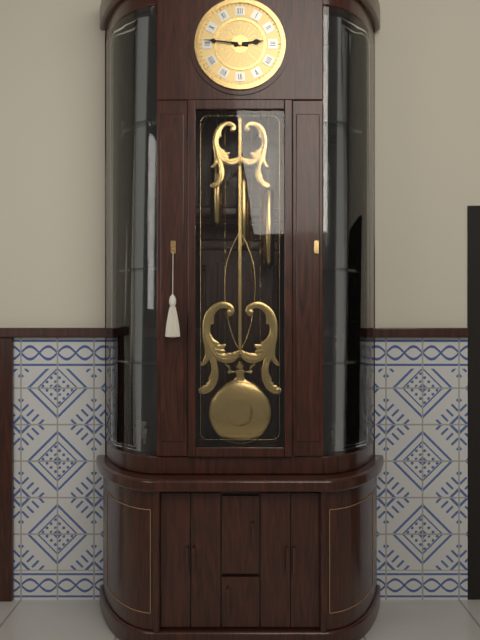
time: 2:46
